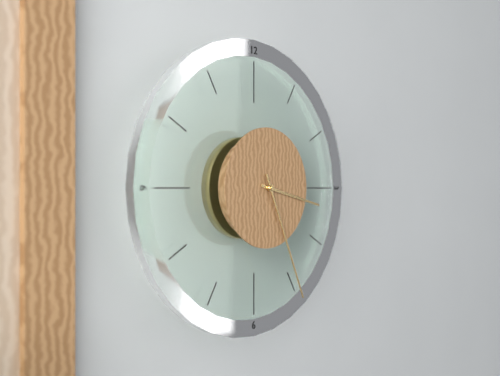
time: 3:26
